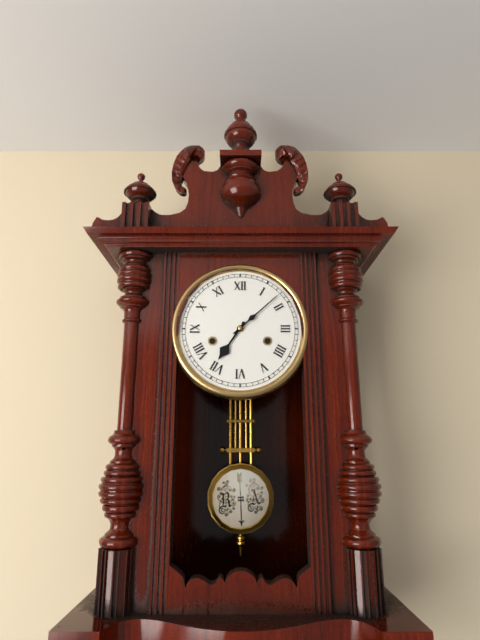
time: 7:08
